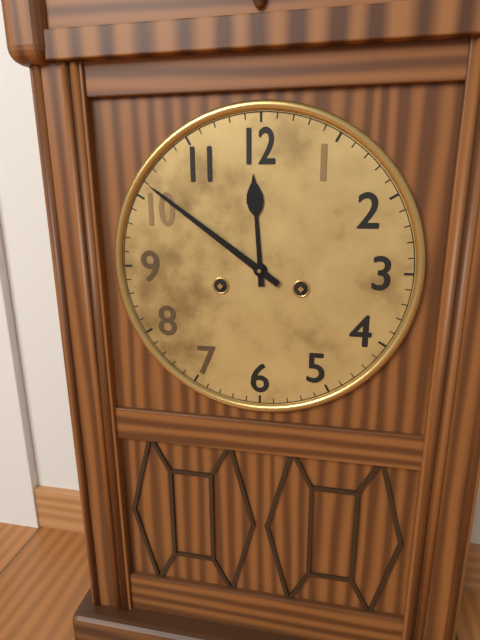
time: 11:51
